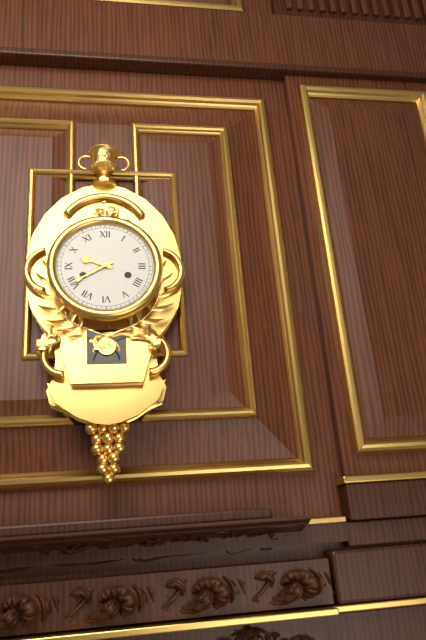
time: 9:40
